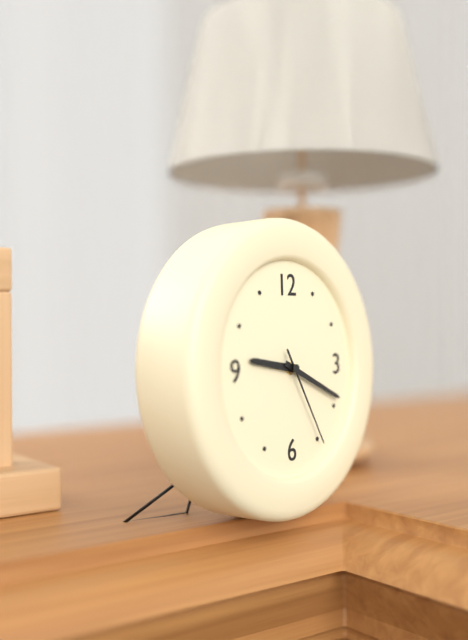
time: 9:19:25
